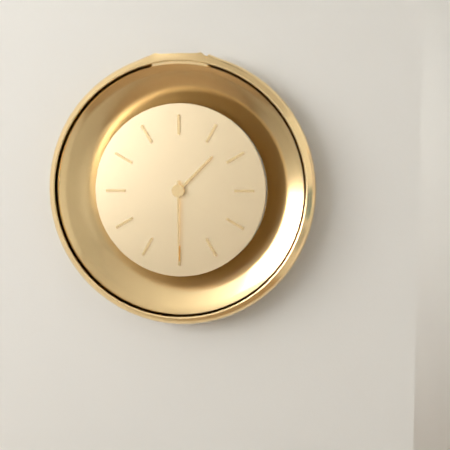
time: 1:30
